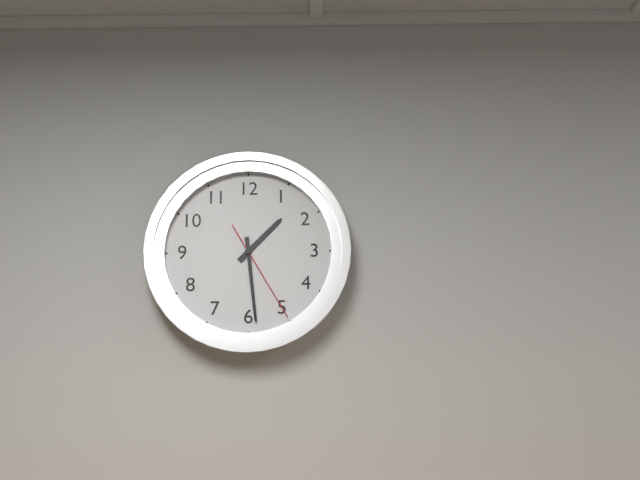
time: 1:29:25
